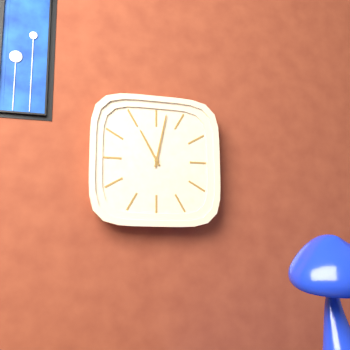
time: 11:02
